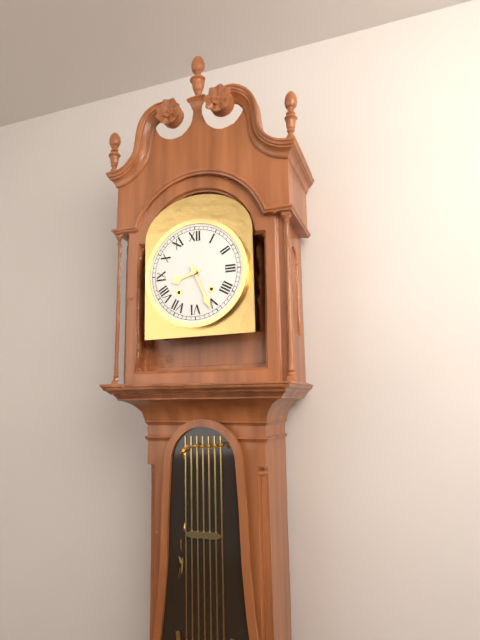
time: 8:26
